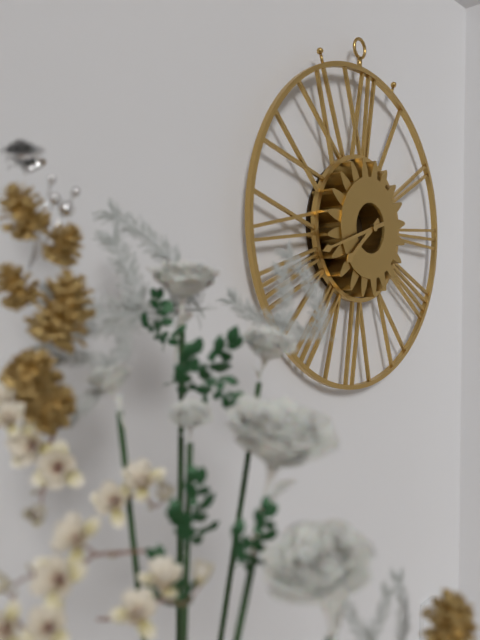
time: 7:42
